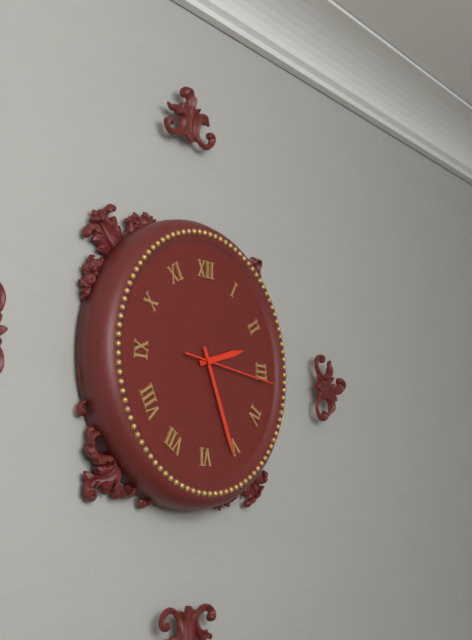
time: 2:26:16
